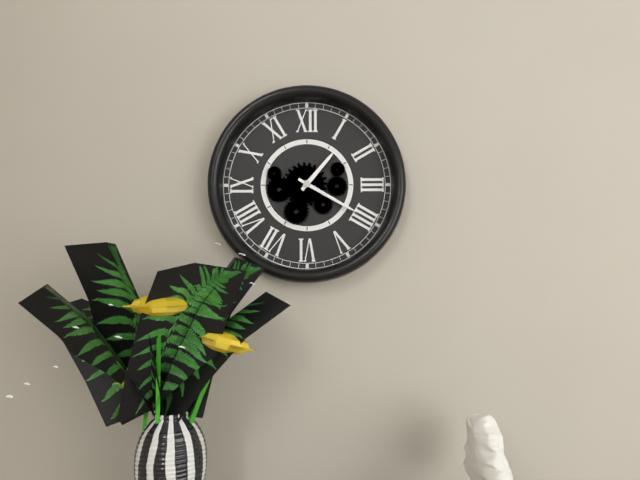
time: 1:20
